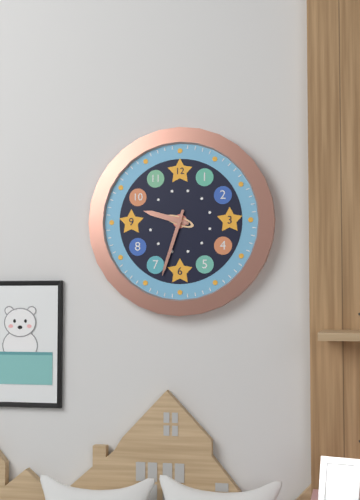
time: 9:33
